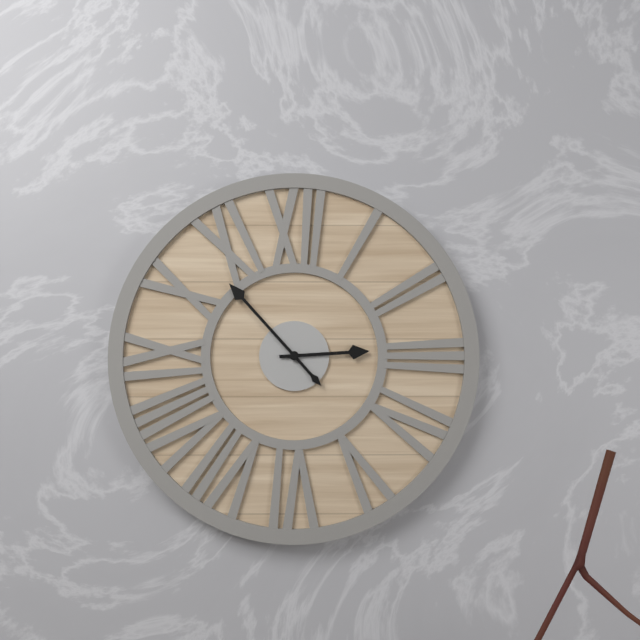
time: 2:53
